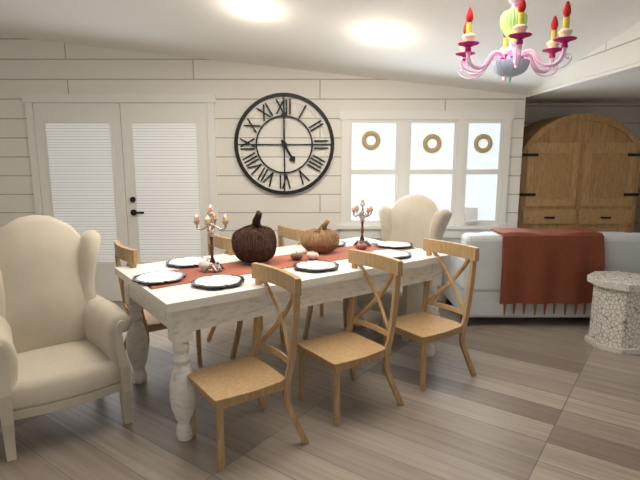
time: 5:00
